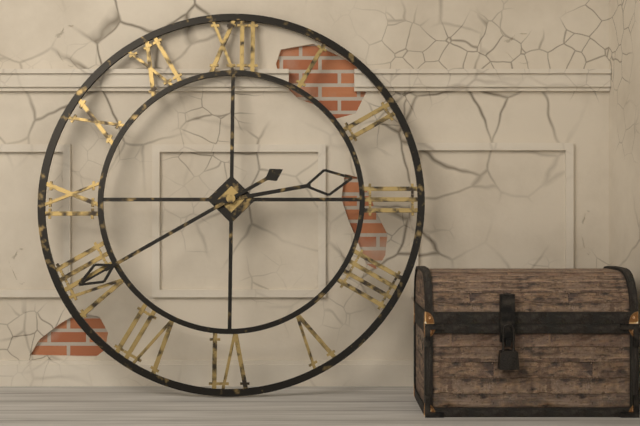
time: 2:40
